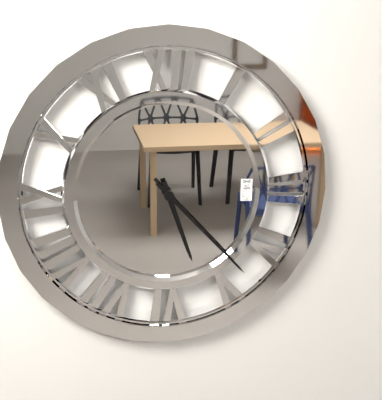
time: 5:23
